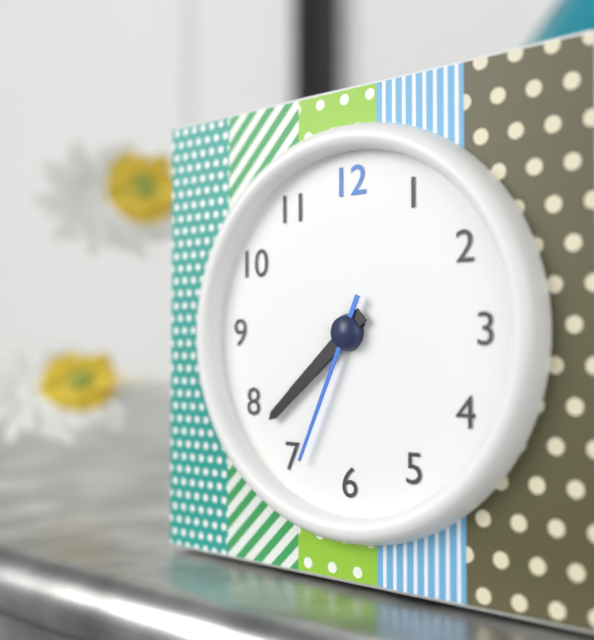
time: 7:38:34
